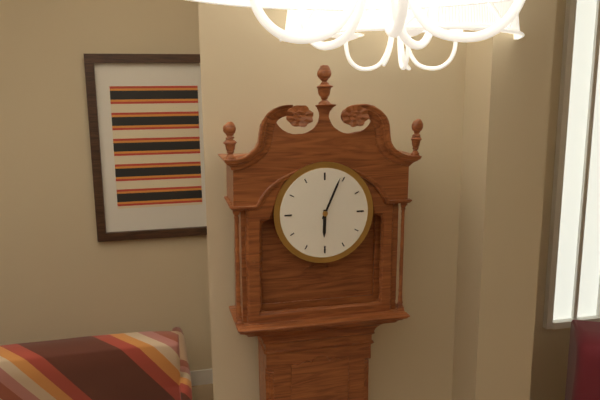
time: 6:04
